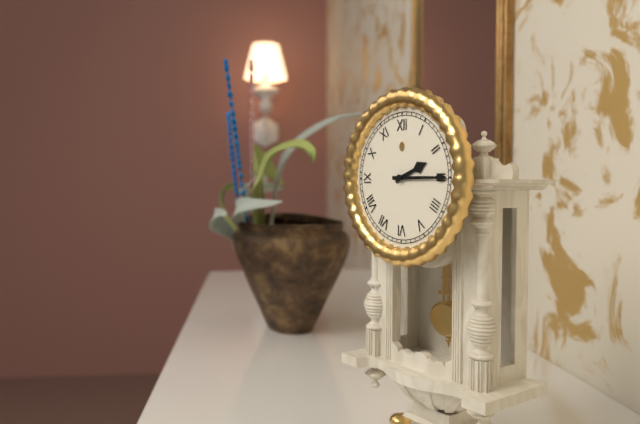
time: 2:15
